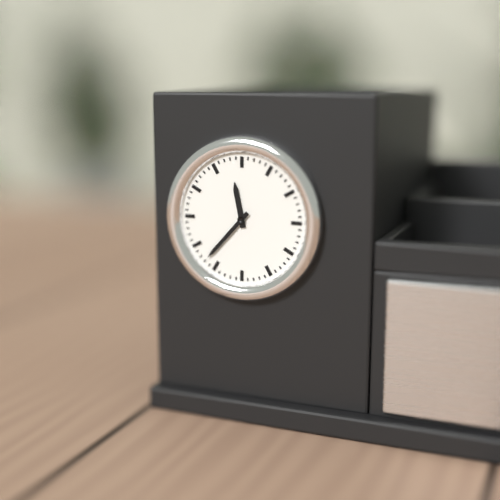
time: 11:37
